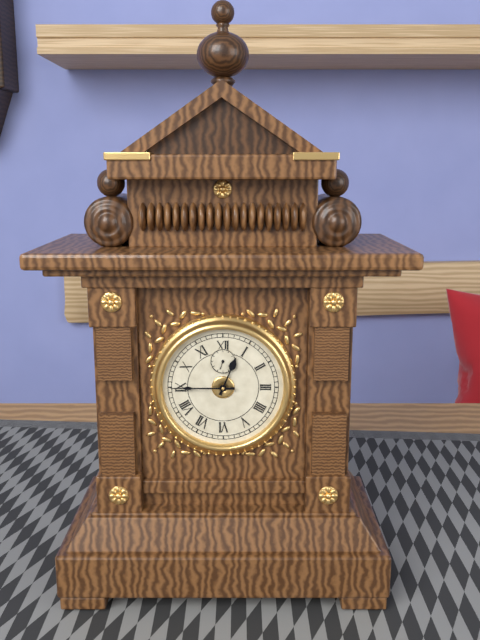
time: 12:45
